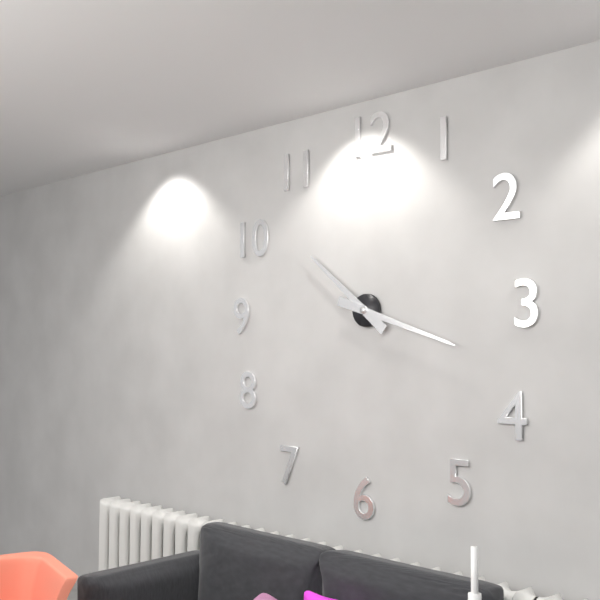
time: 10:18
